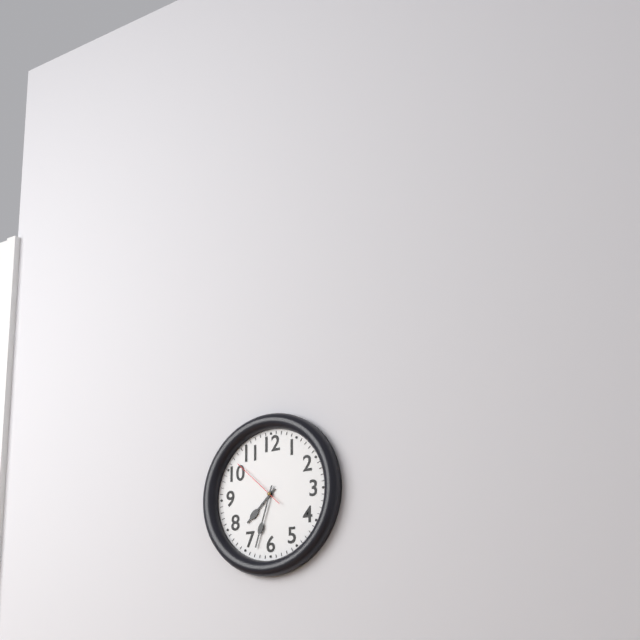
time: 7:33:52
